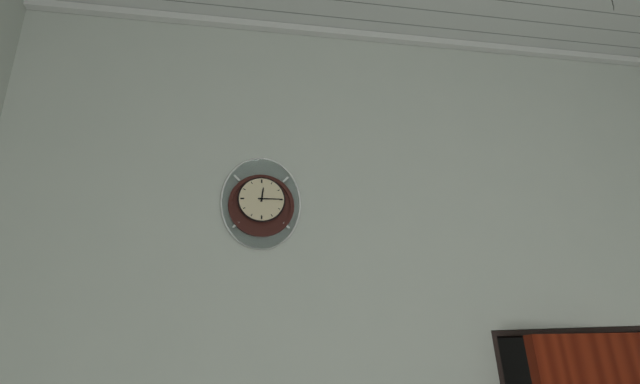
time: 12:15
